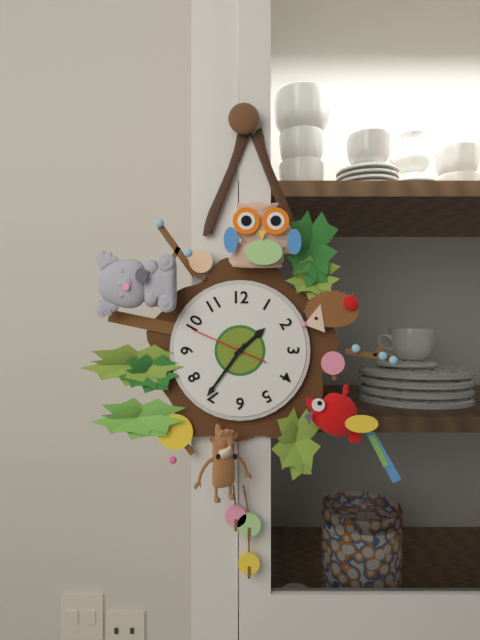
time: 1:36:49
